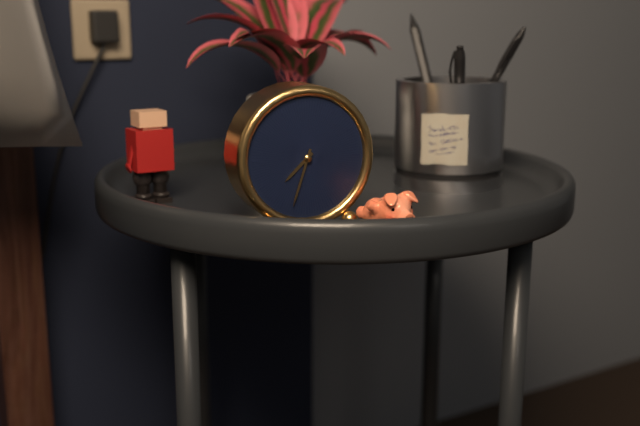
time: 7:33
